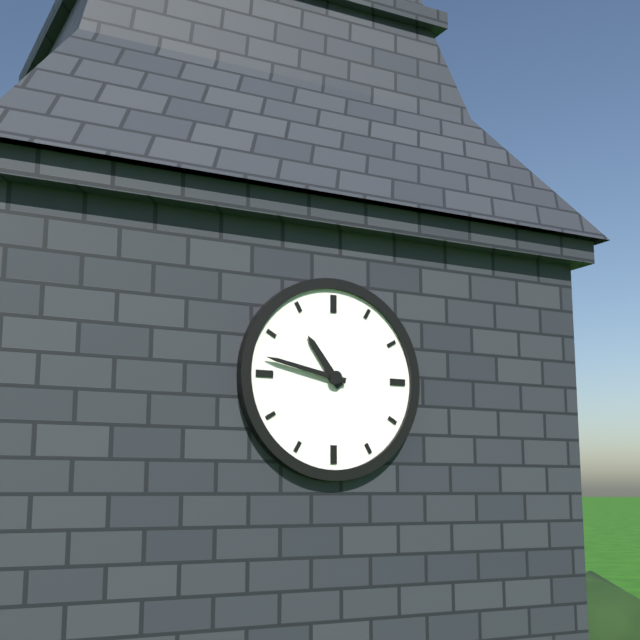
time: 10:47
